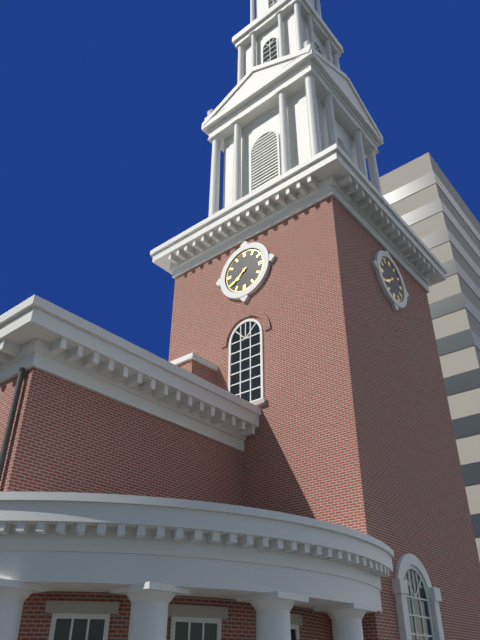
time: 7:39
